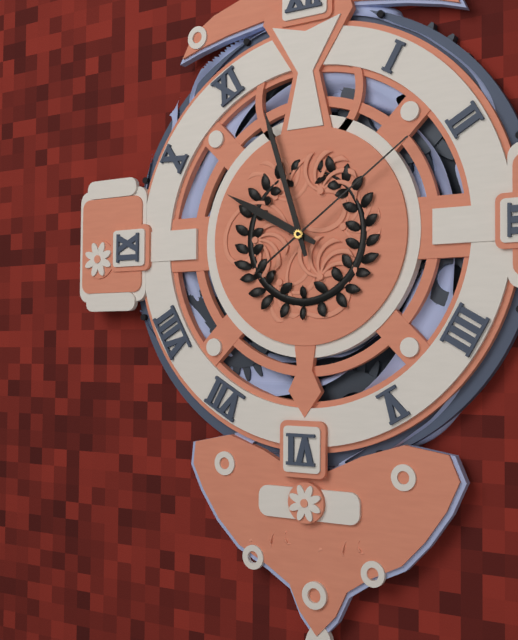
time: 9:57:09
